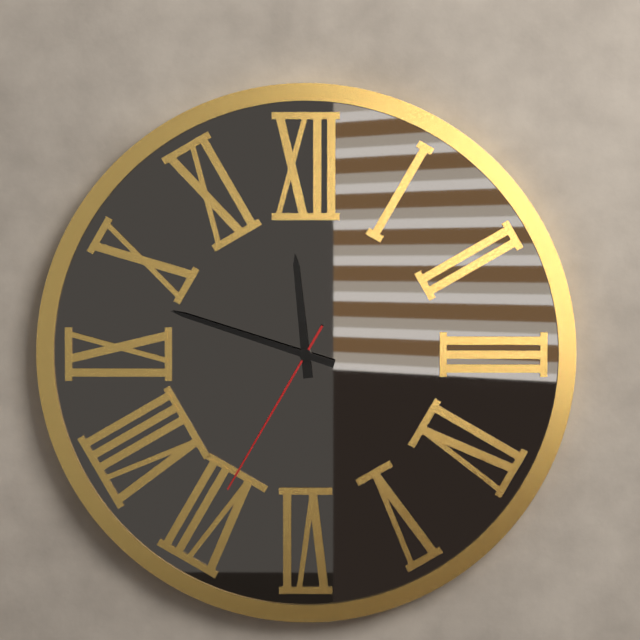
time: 11:48:35
